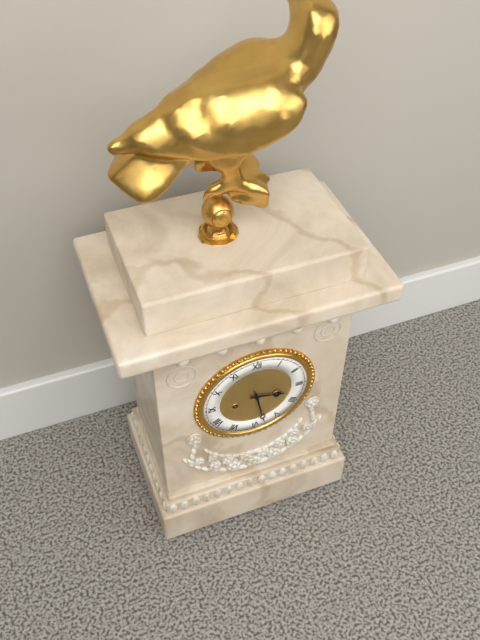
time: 3:28
